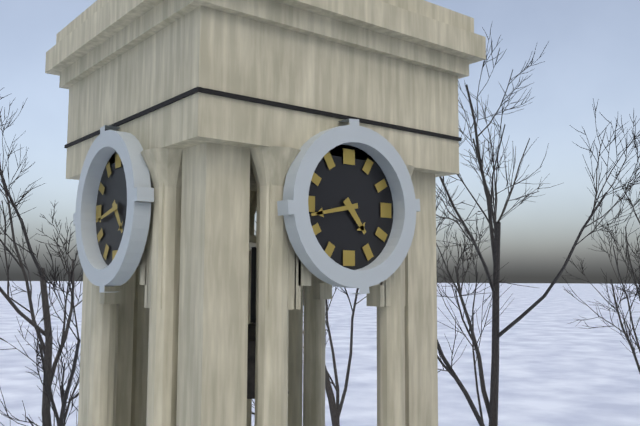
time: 4:43
